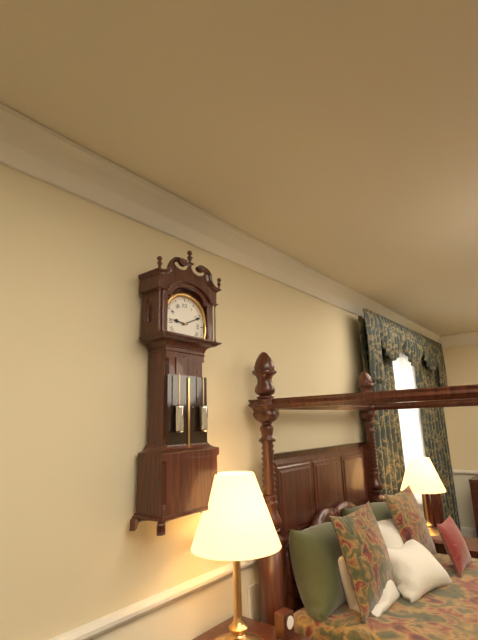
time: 9:11
